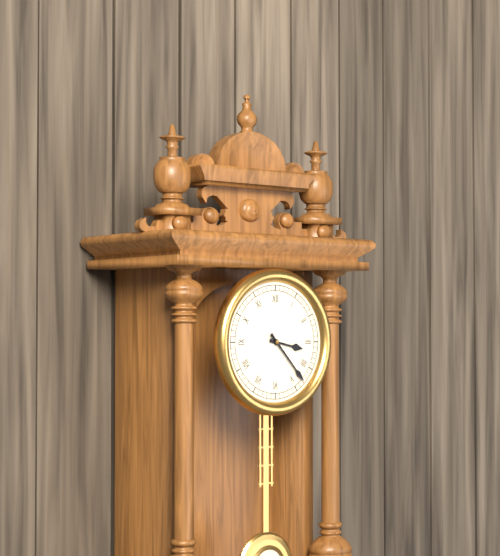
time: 3:23
